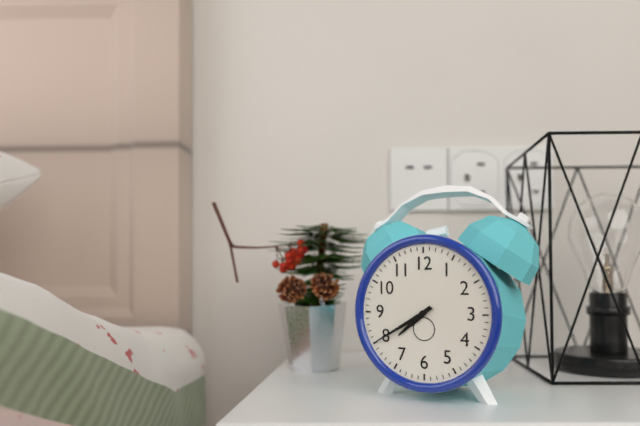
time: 7:40
